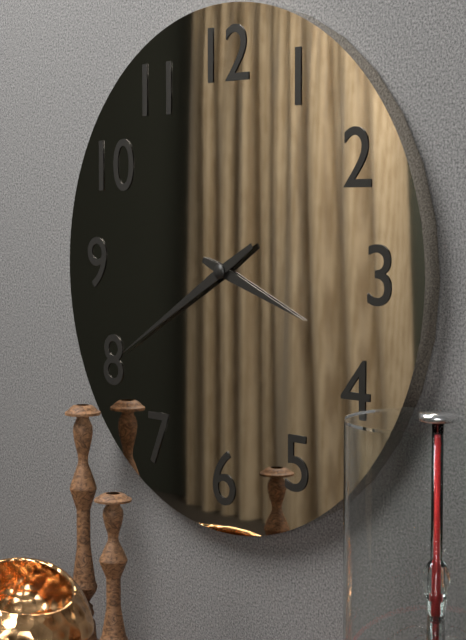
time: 3:40
